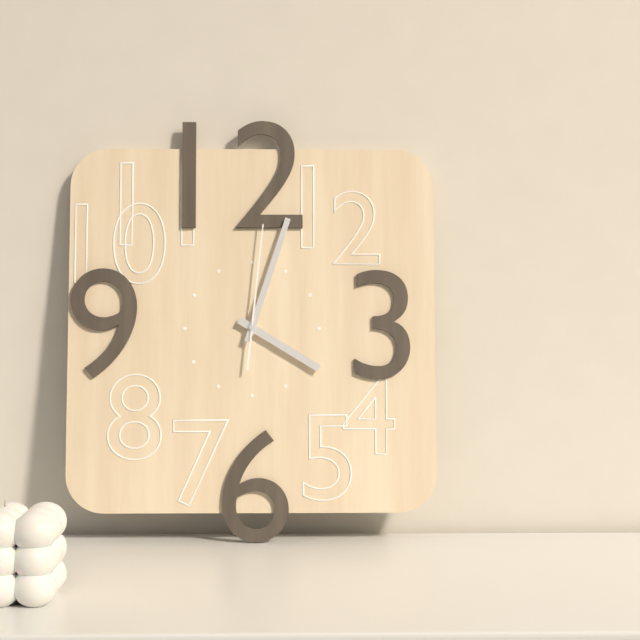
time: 4:03:01
